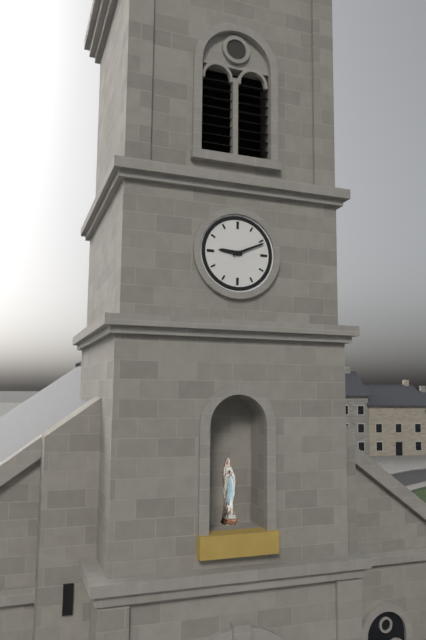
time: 9:11
